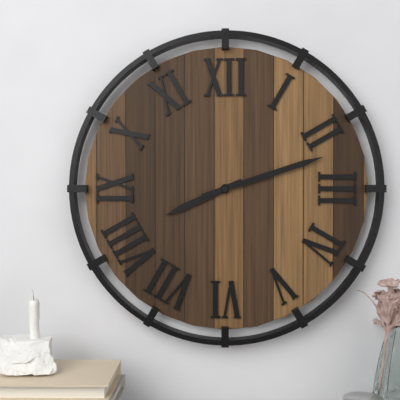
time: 8:12
